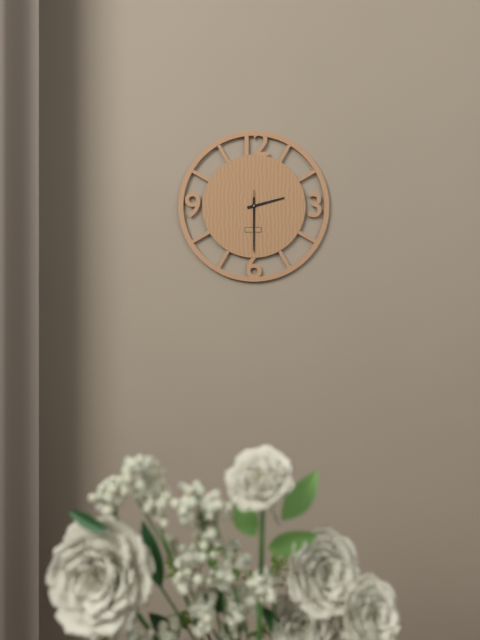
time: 2:30:30
